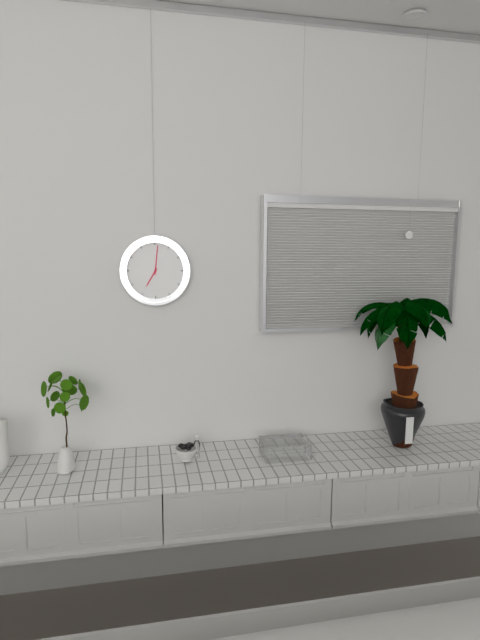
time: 7:01
